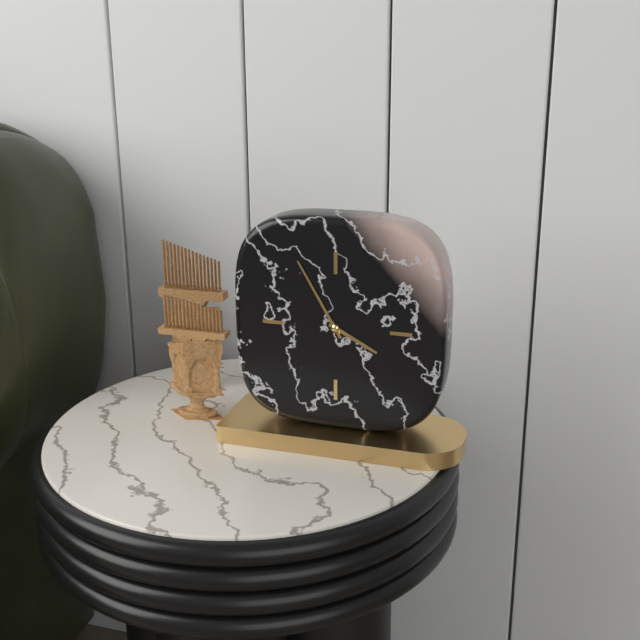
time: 3:55
